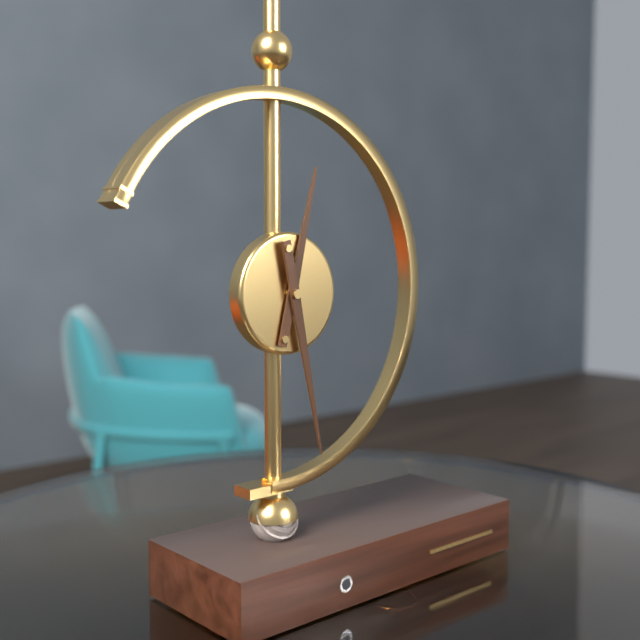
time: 12:28
